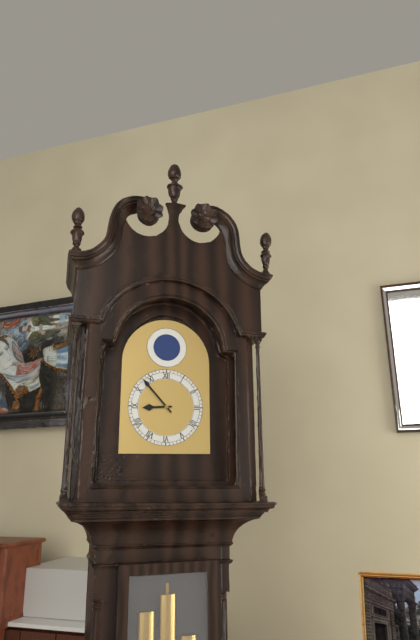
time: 8:53
